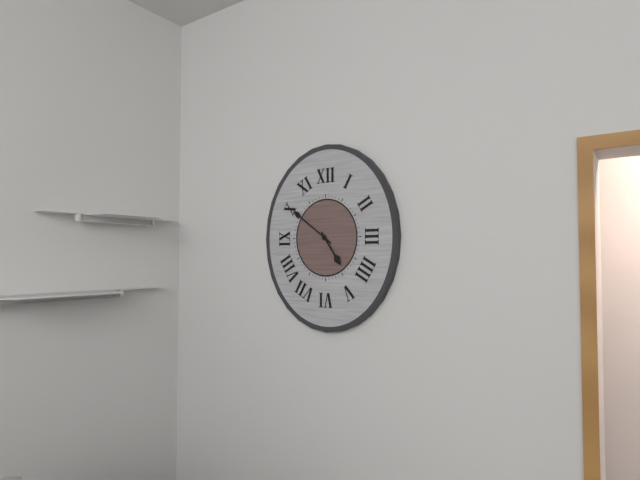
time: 4:51
